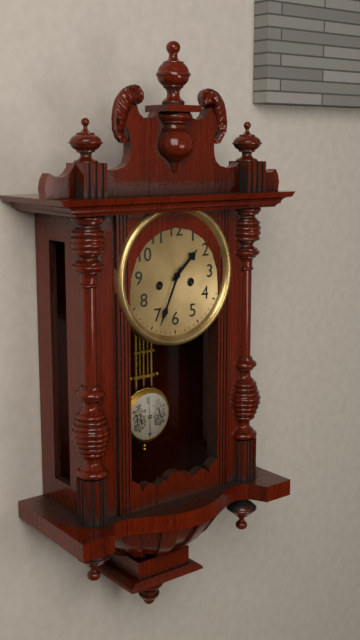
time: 1:34
